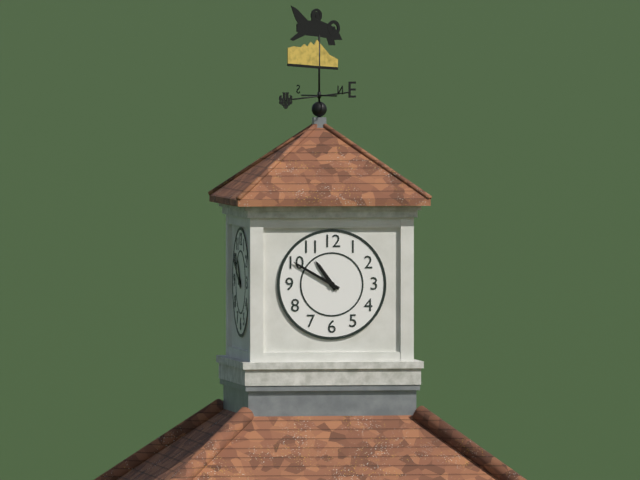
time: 10:50
